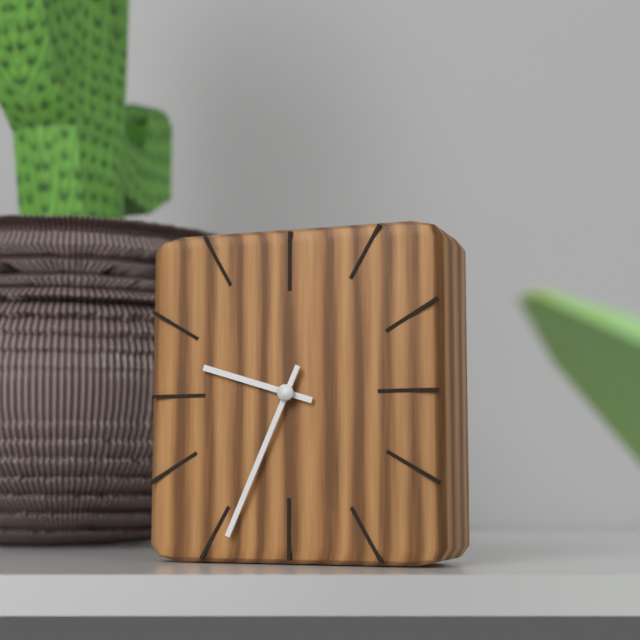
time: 9:34
